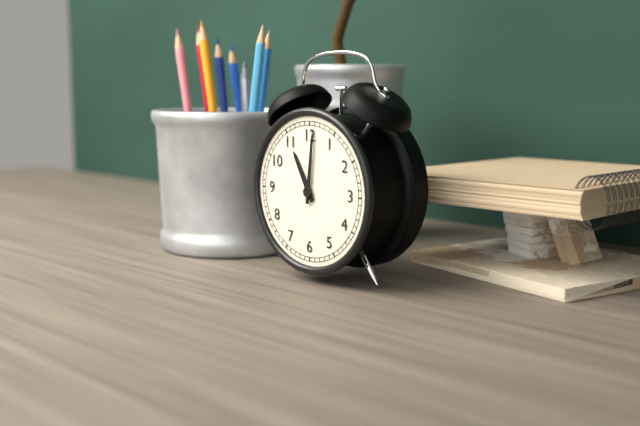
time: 11:01
